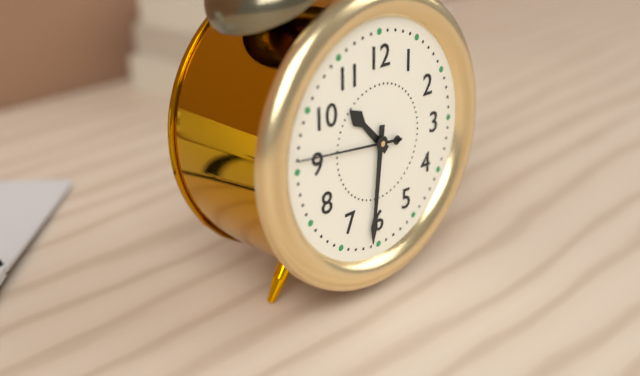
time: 10:31:46
